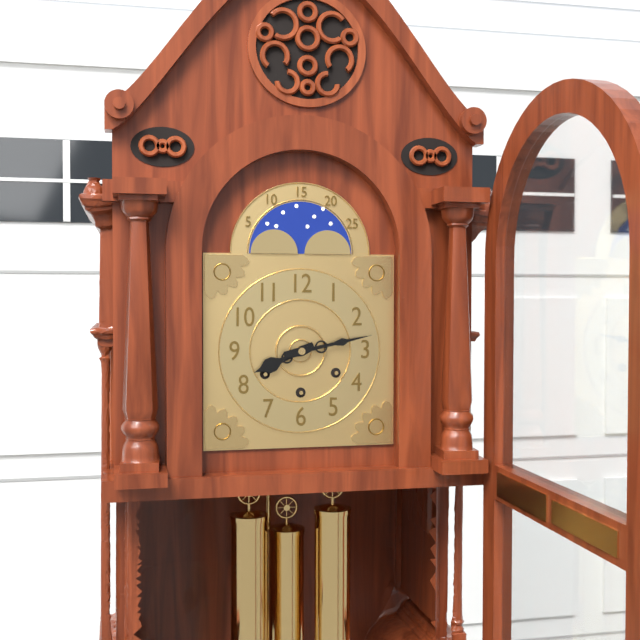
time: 8:13
